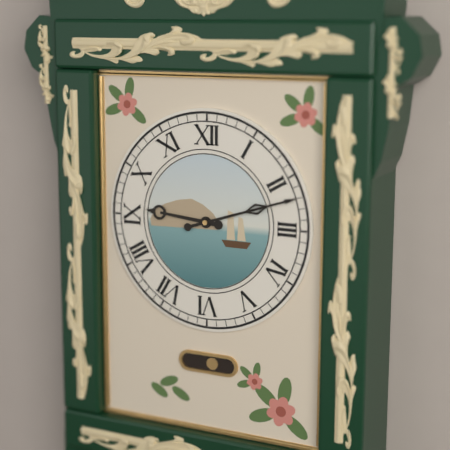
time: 9:12
